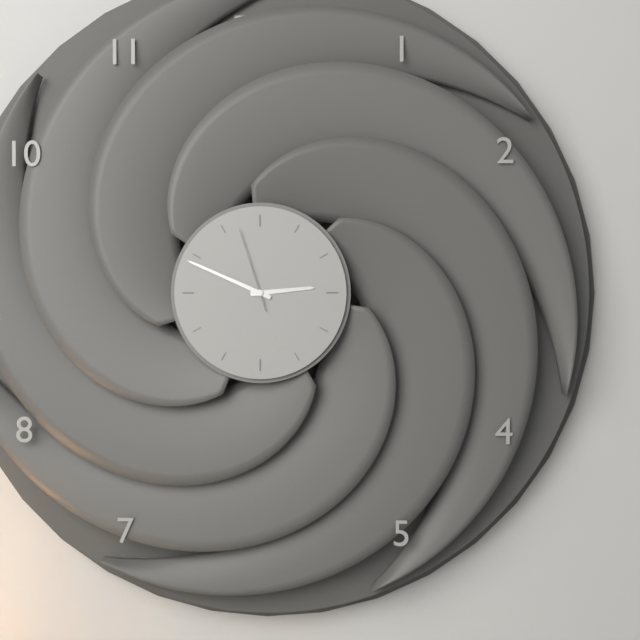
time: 2:49:57
